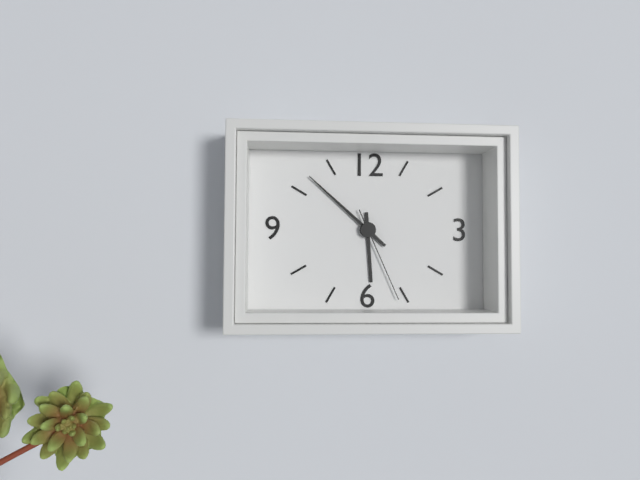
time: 5:52:26
